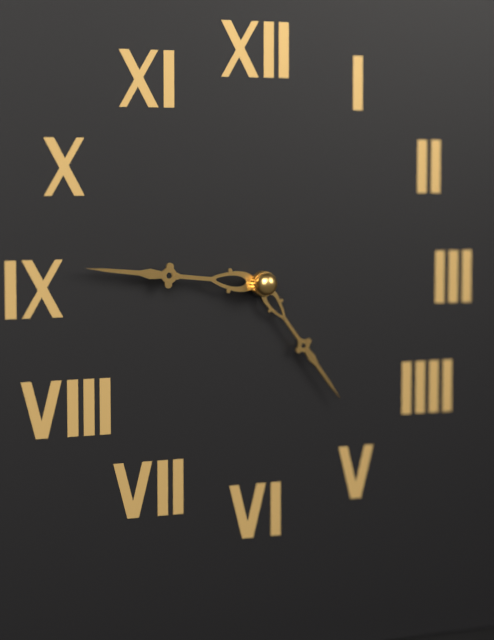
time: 4:46
